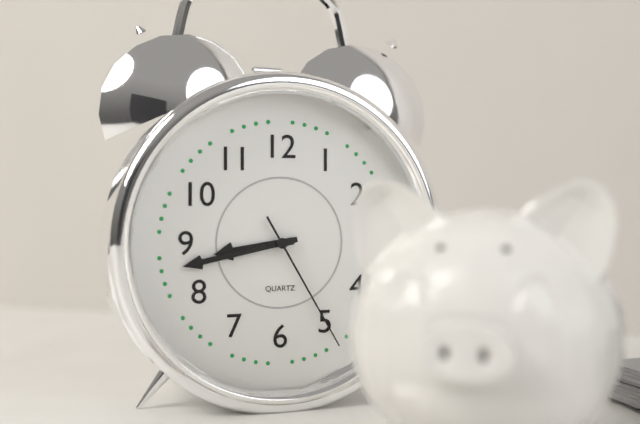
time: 8:43:25
